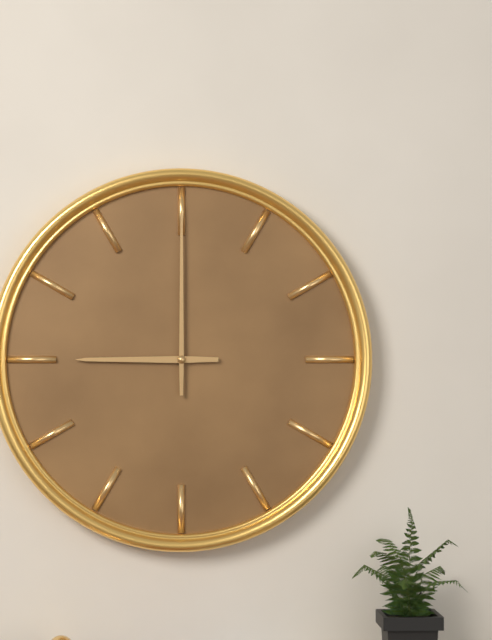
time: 9:00
